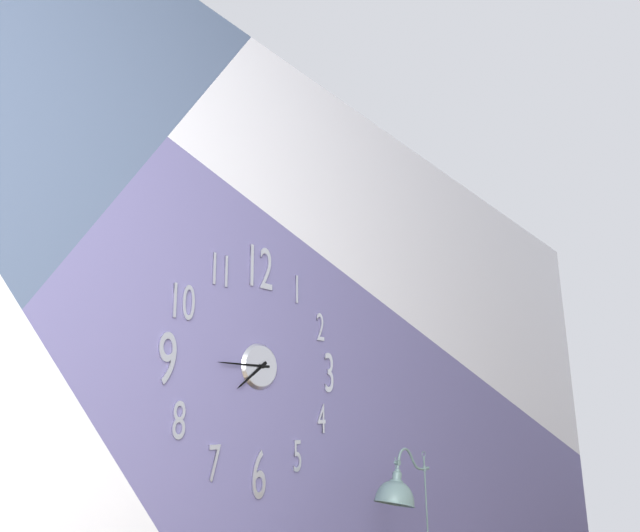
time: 7:45
